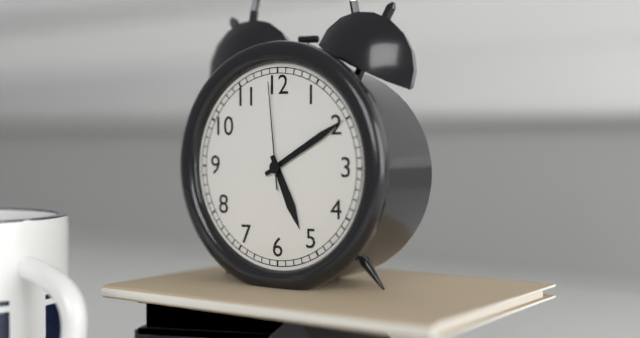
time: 5:10:59
